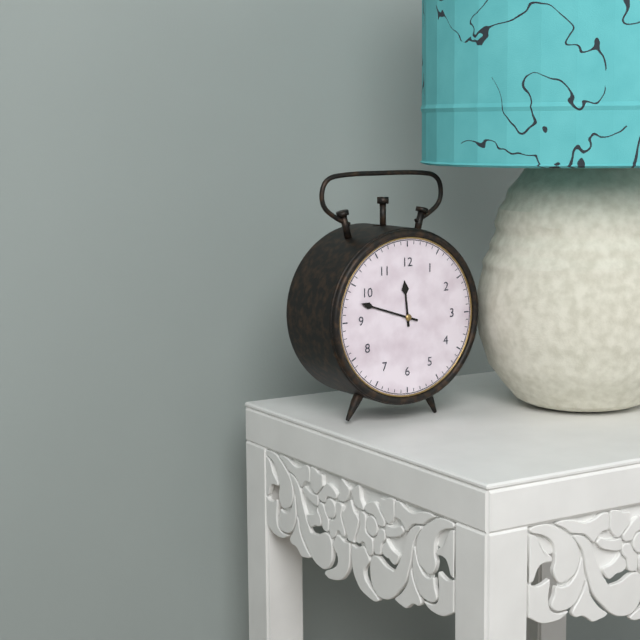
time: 11:48
